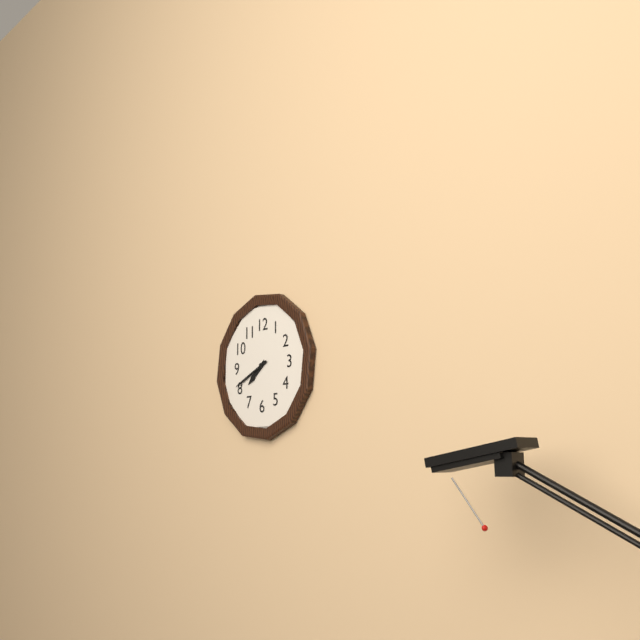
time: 7:41
